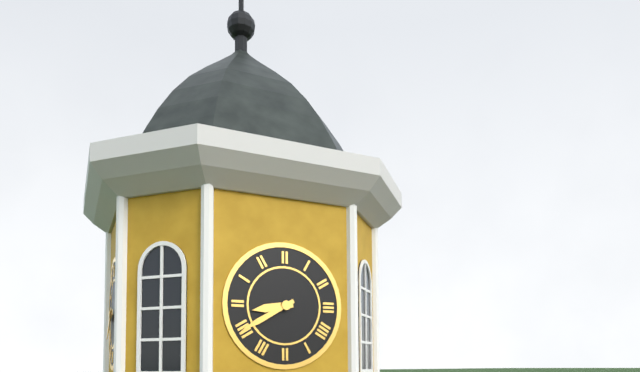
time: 8:40
